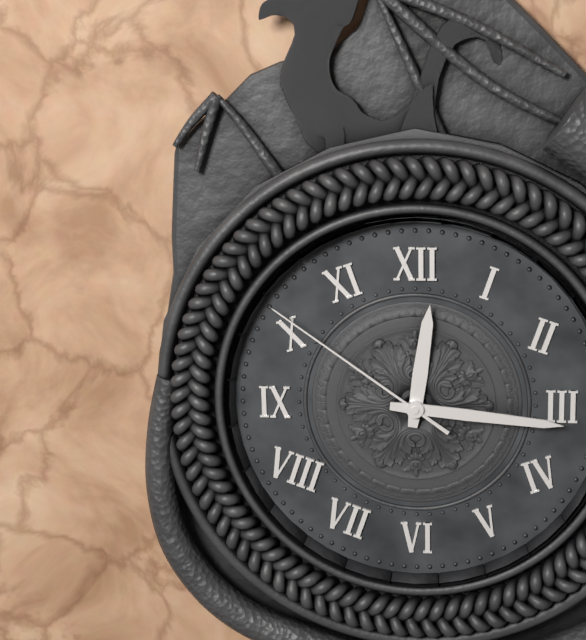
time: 12:16:51
